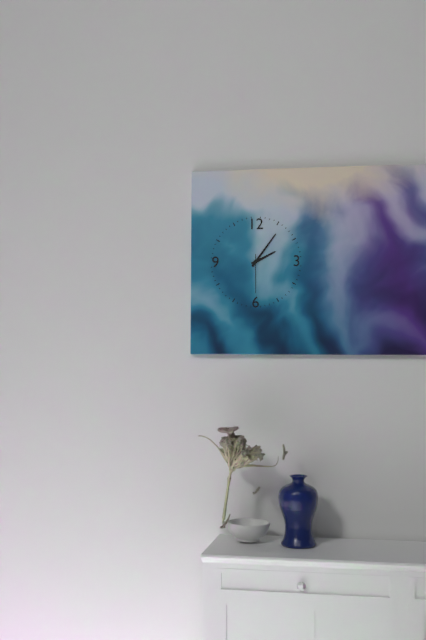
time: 2:06
